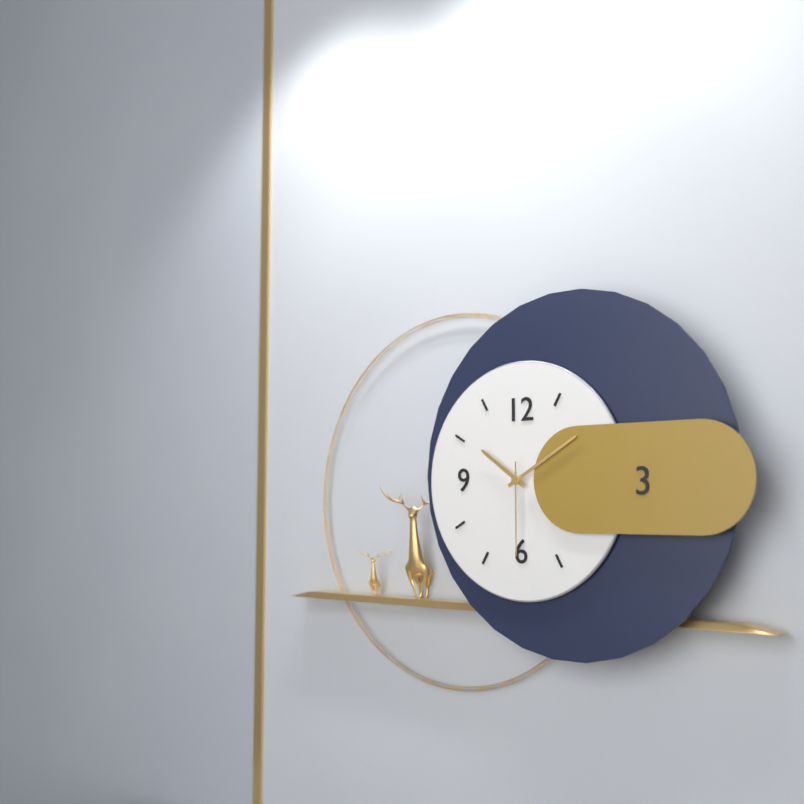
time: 10:10:30
